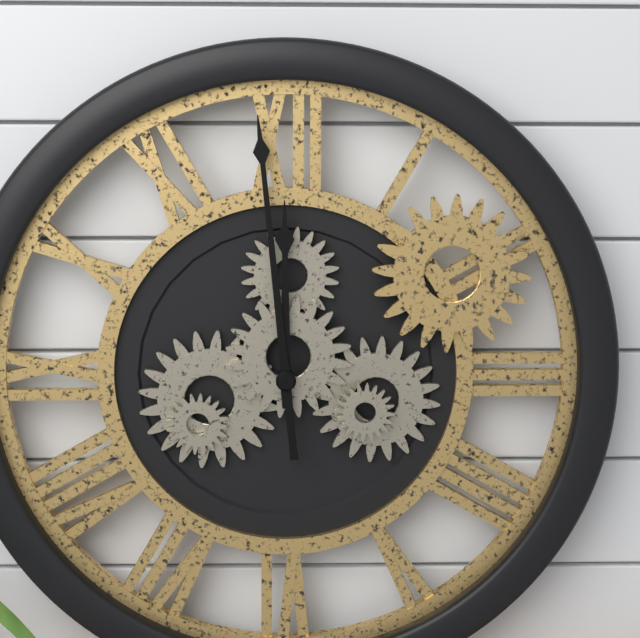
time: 11:59
